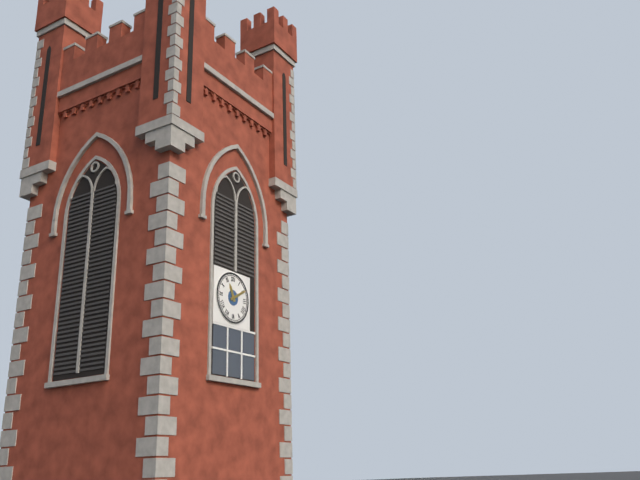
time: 11:10
